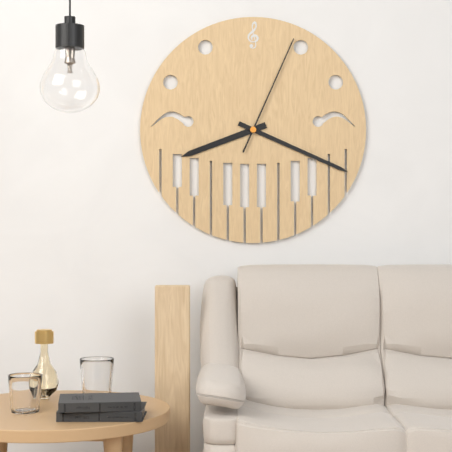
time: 8:19:04
